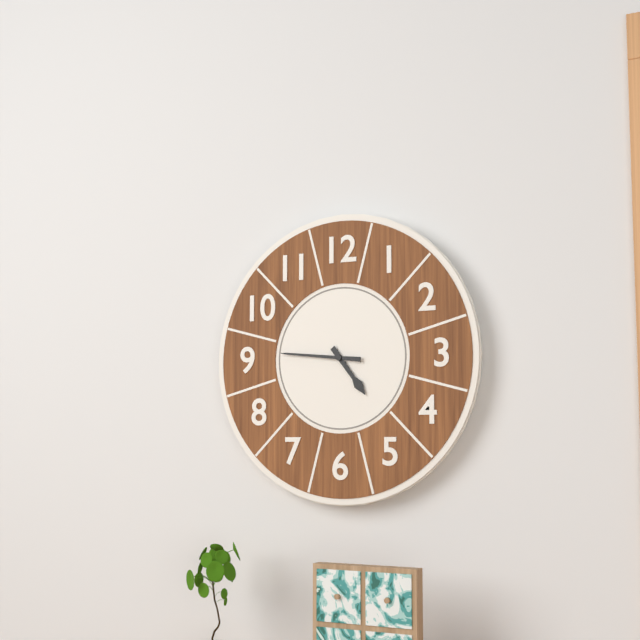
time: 4:46
